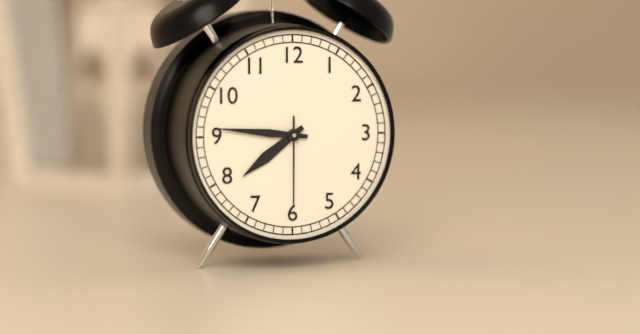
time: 7:46:30
